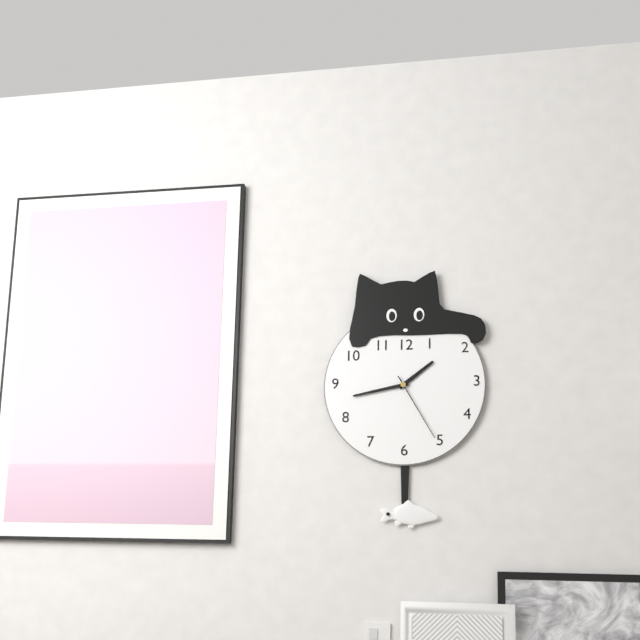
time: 1:43:25
